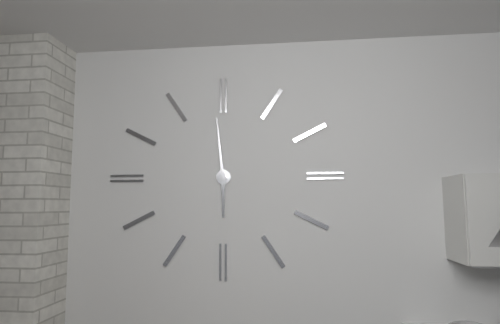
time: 5:59
